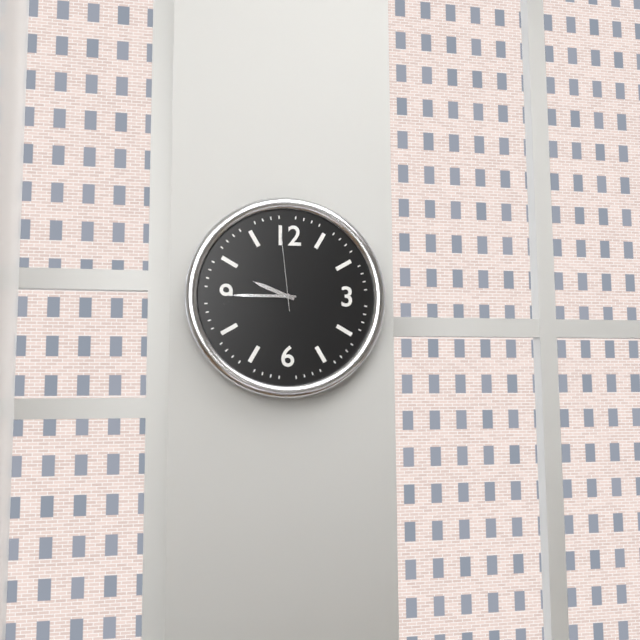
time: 9:45:59
